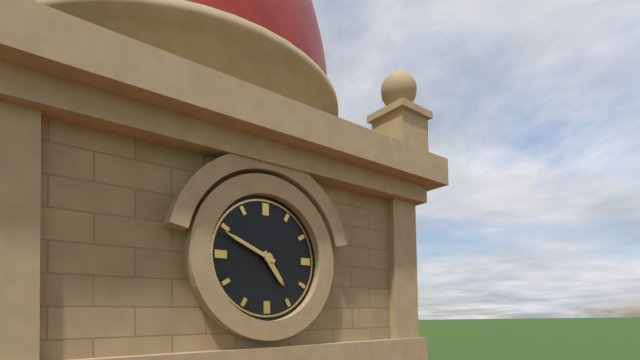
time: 4:49
